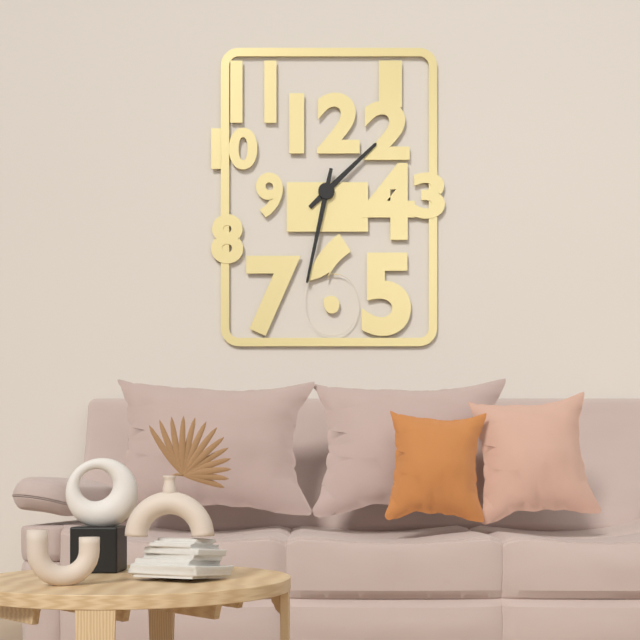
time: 1:32
